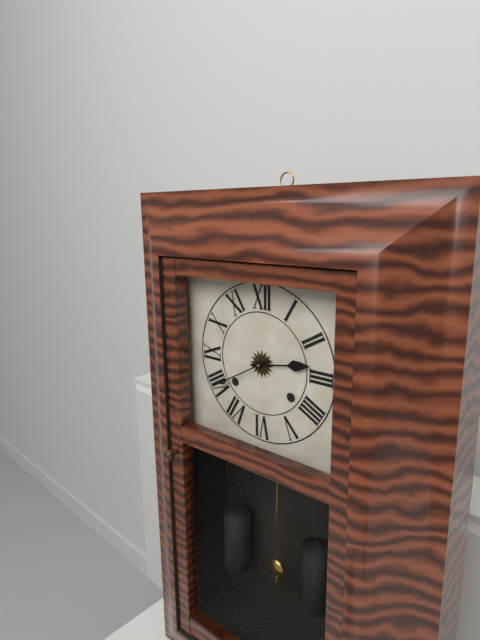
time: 2:40
